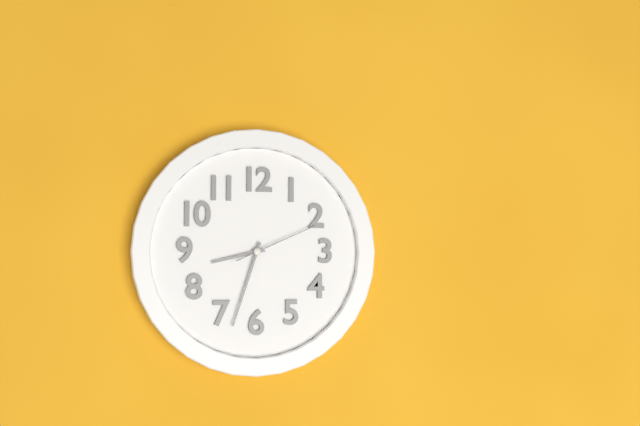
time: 8:33:11
